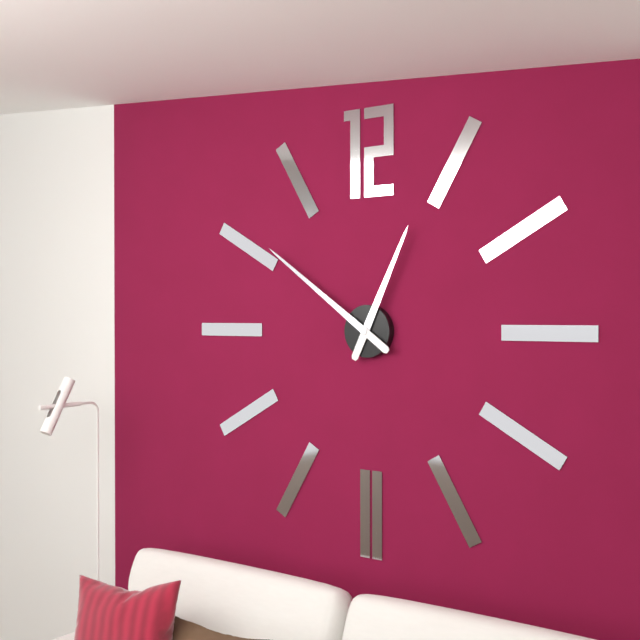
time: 12:51
